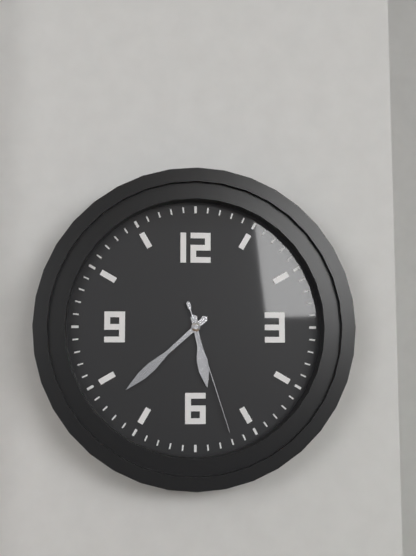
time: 5:38:27
